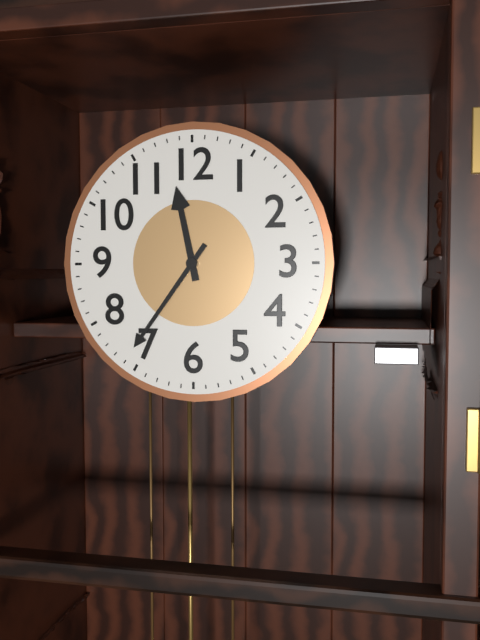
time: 11:36
